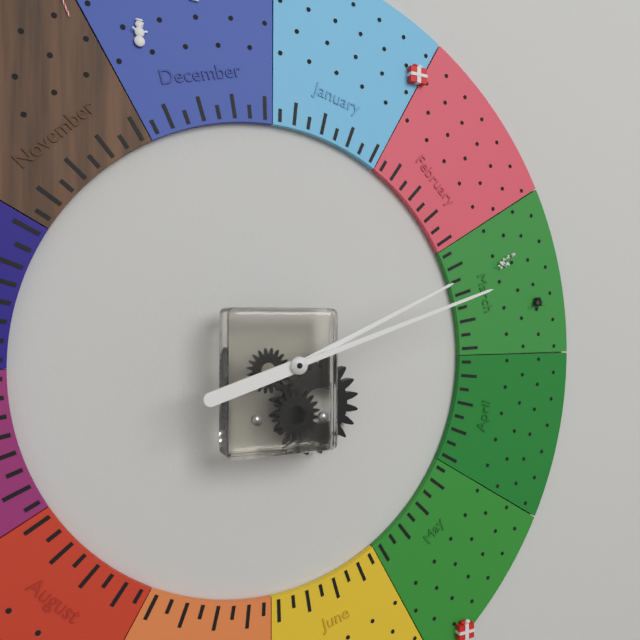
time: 2:12
